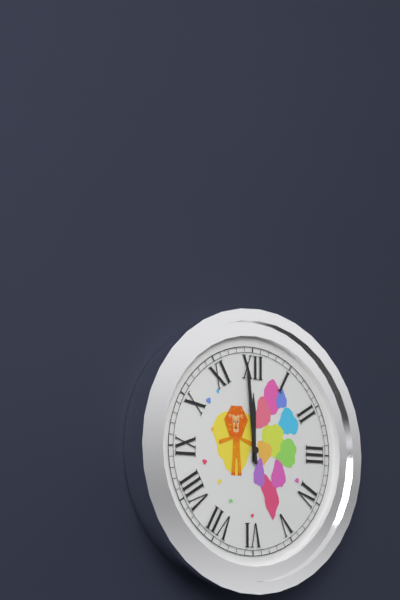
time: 11:59
